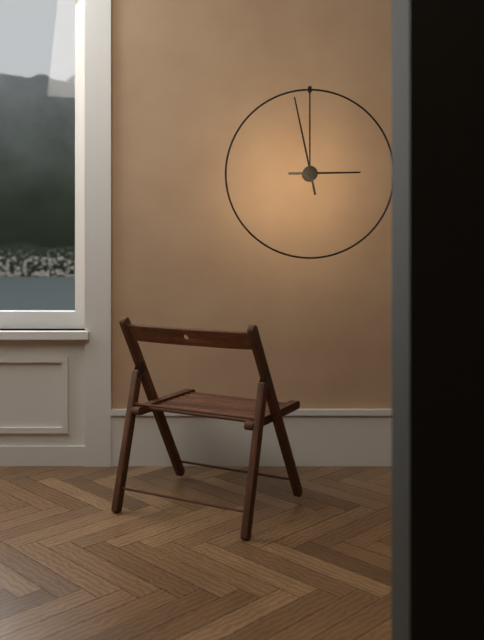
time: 2:58
